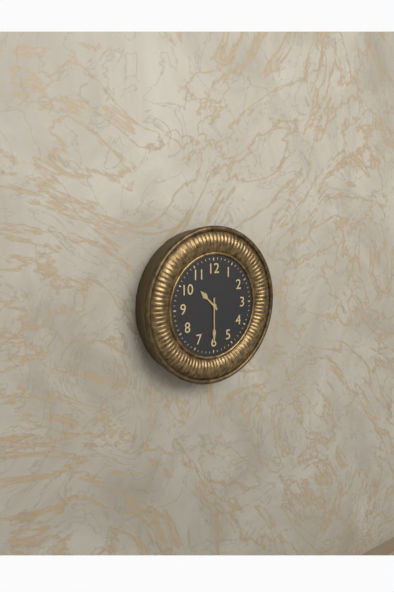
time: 10:30
